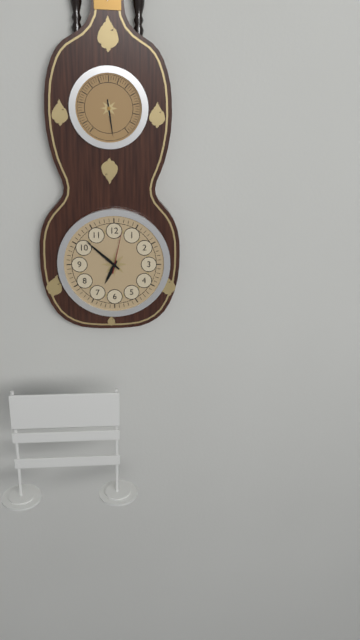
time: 6:52
